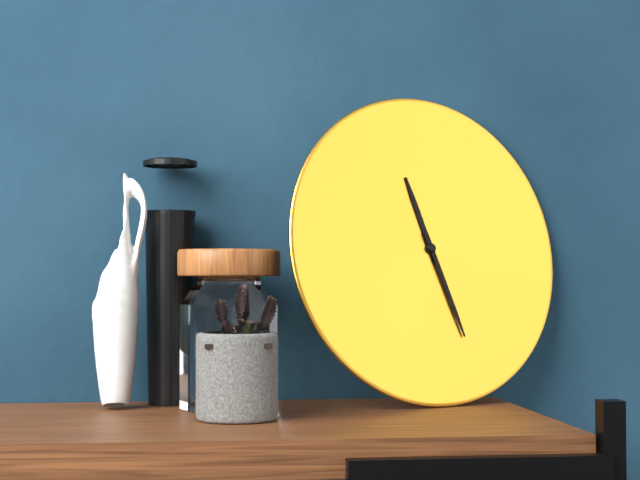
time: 11:27
